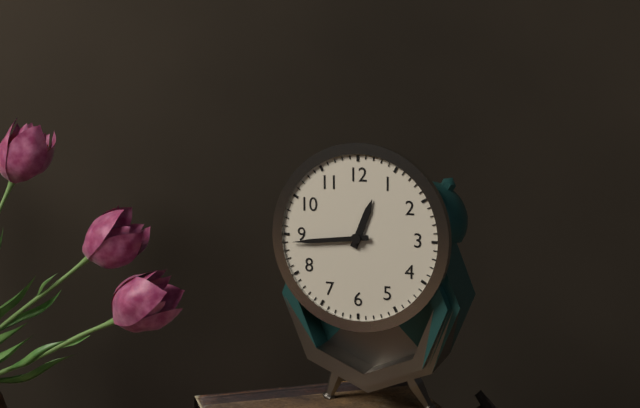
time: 12:44
